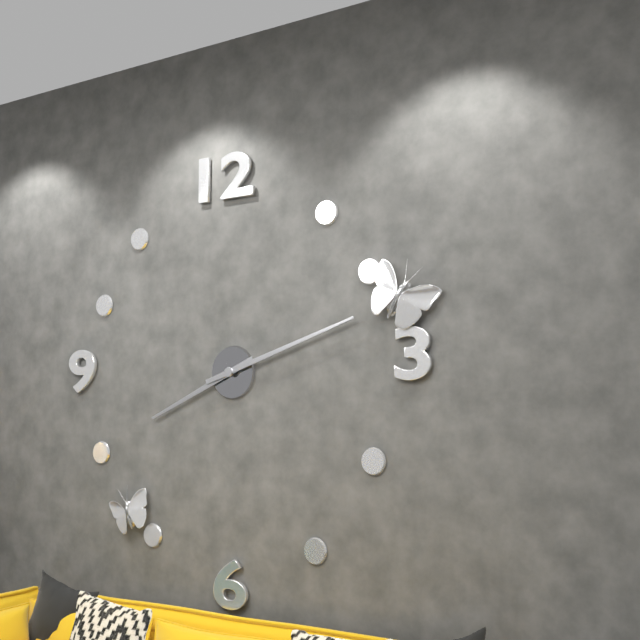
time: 8:12
